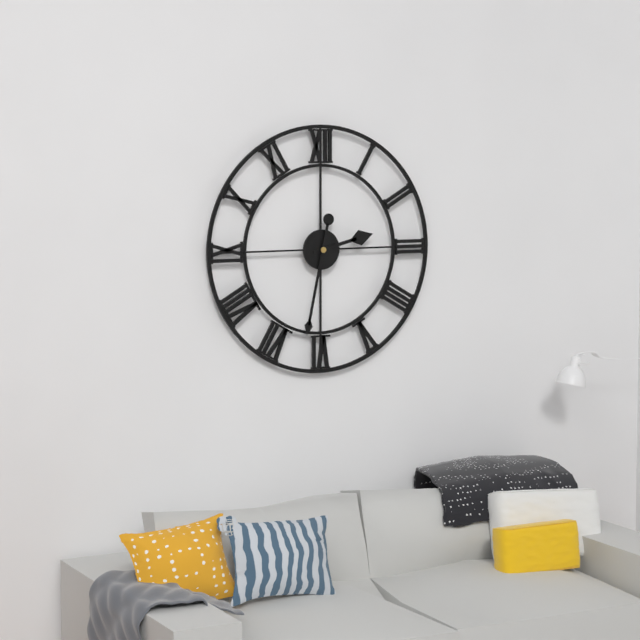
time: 2:32
